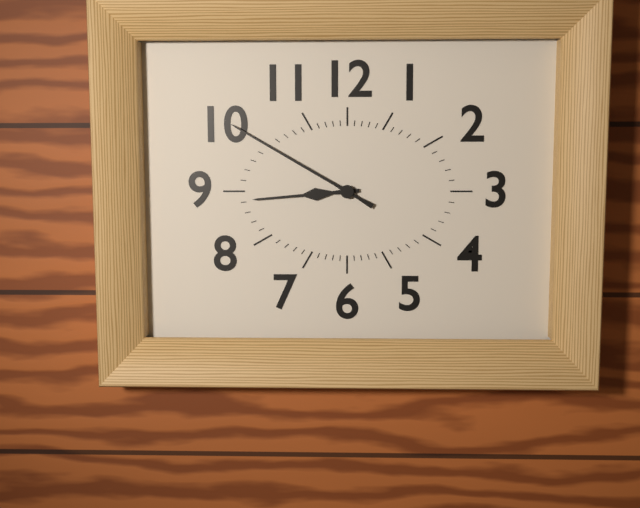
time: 8:50
